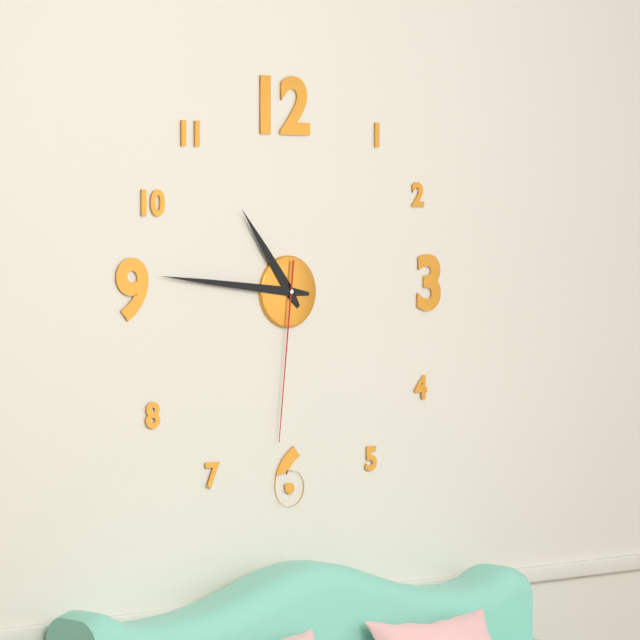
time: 10:46:31
